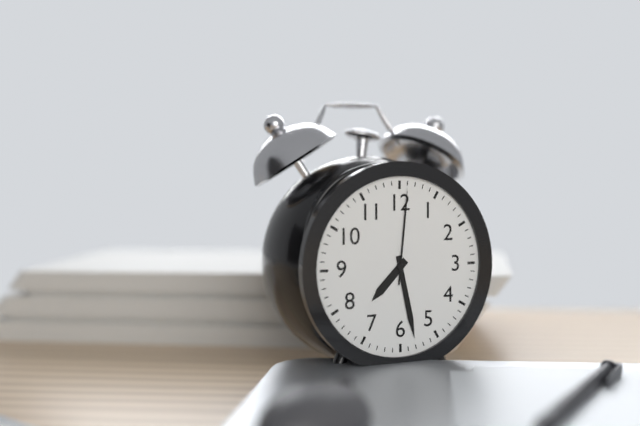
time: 7:28:01
